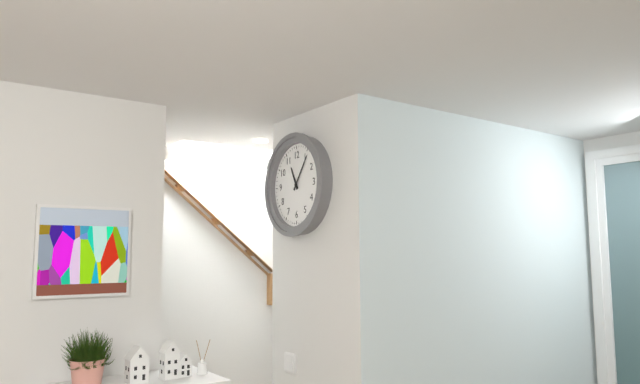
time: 11:06
